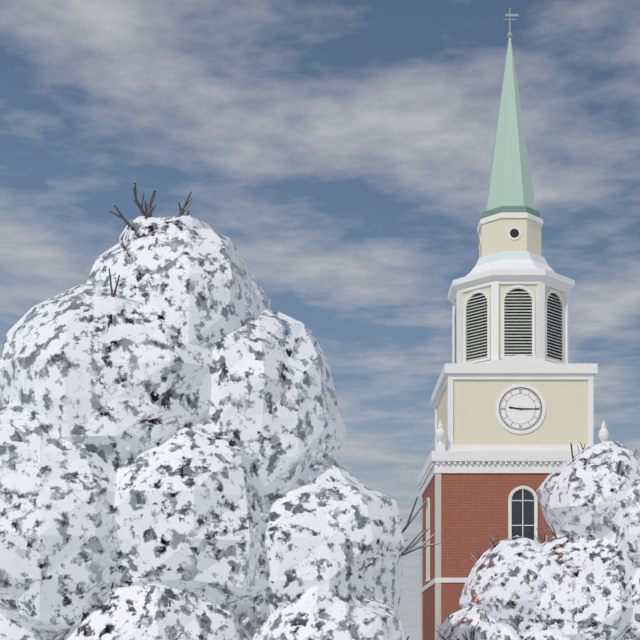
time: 9:15
